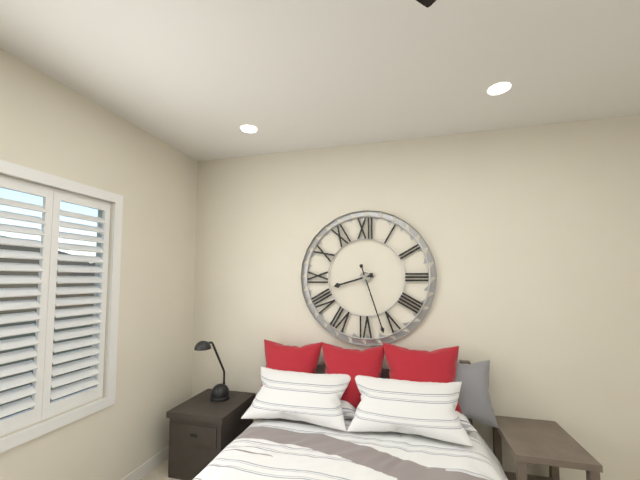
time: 8:27
